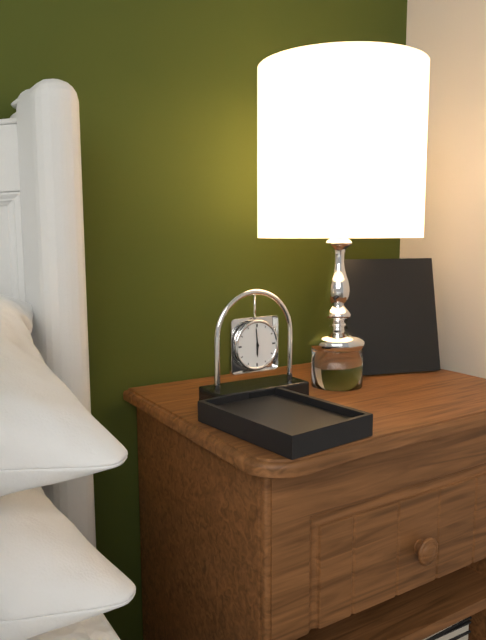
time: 5:59
